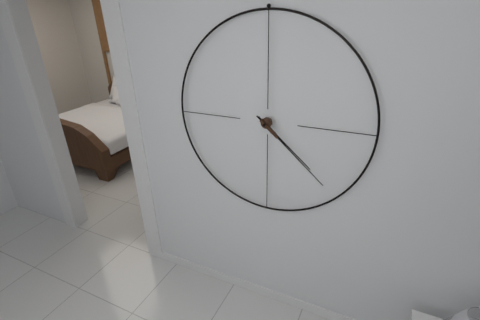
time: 4:22
